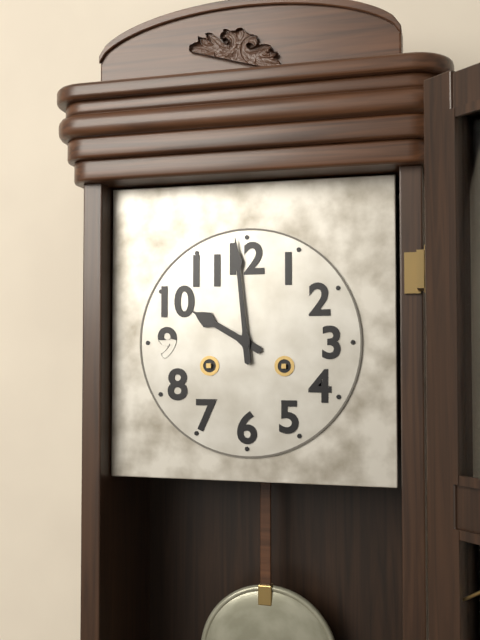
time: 9:59
